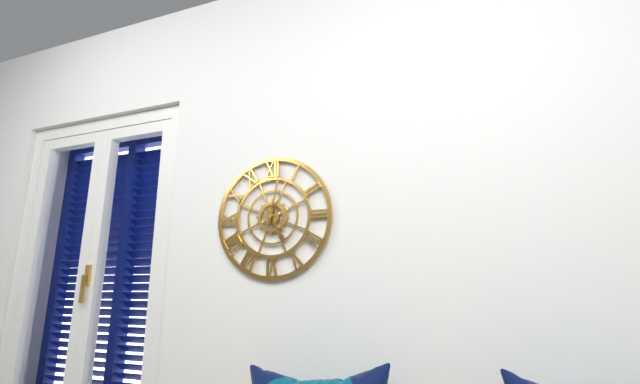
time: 5:02
